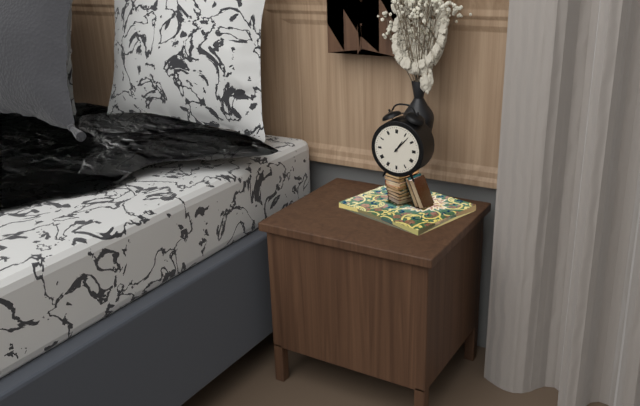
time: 1:07
